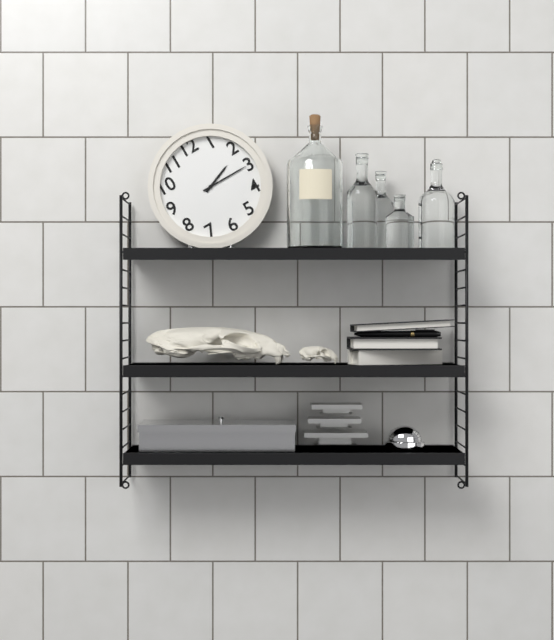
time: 2:15
